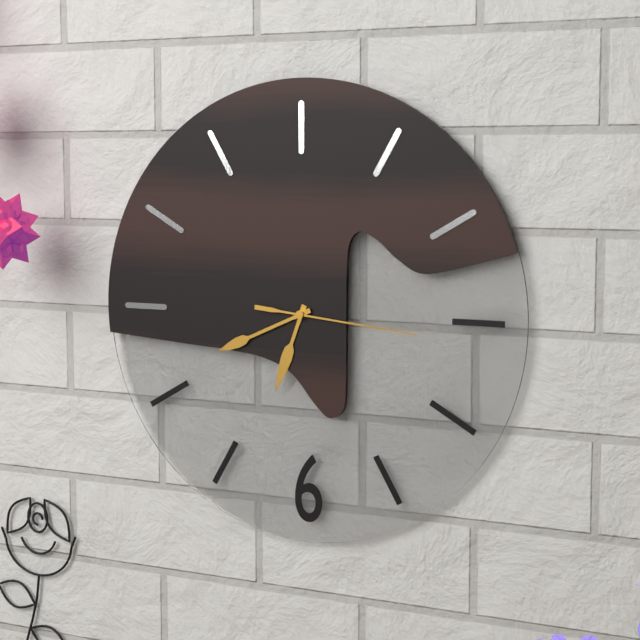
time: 6:41:16
